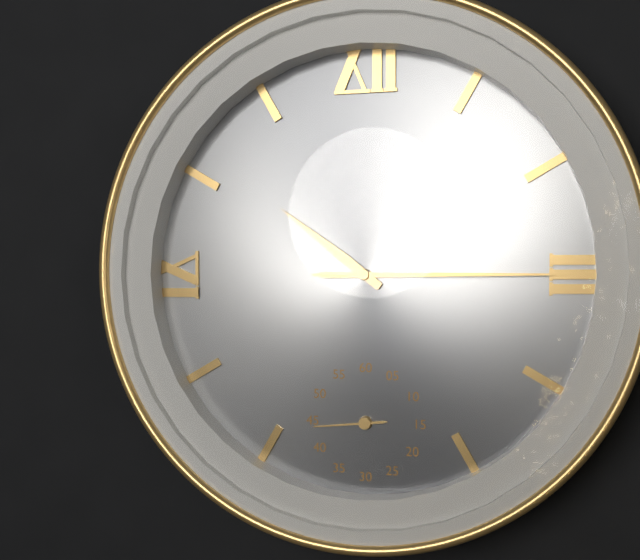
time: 10:15:44
